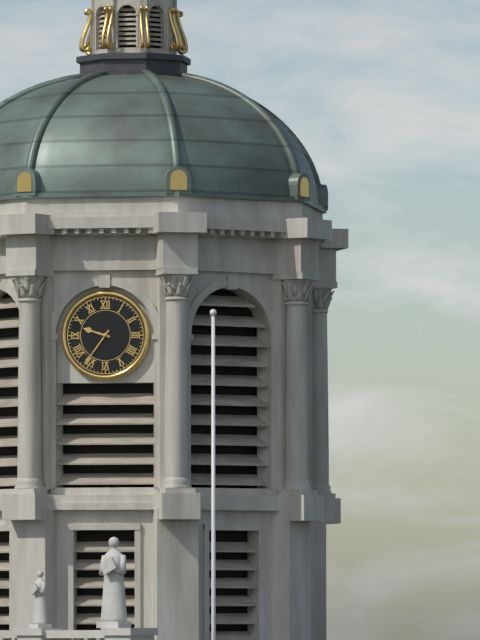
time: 9:36
